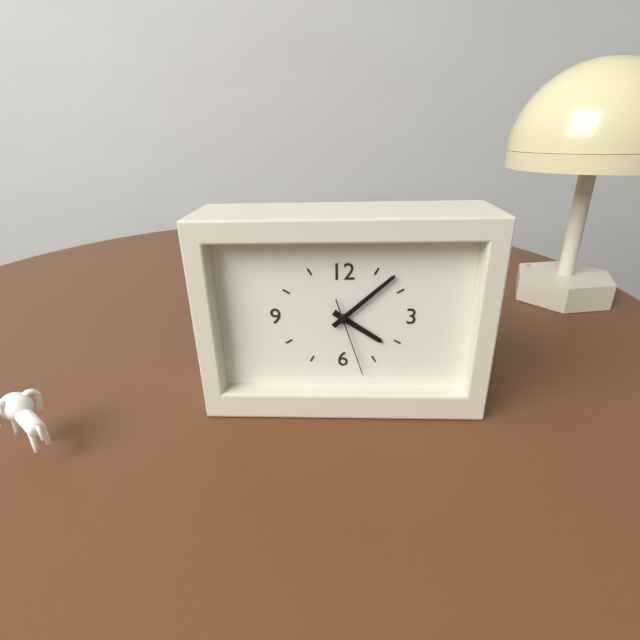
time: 4:08:27
